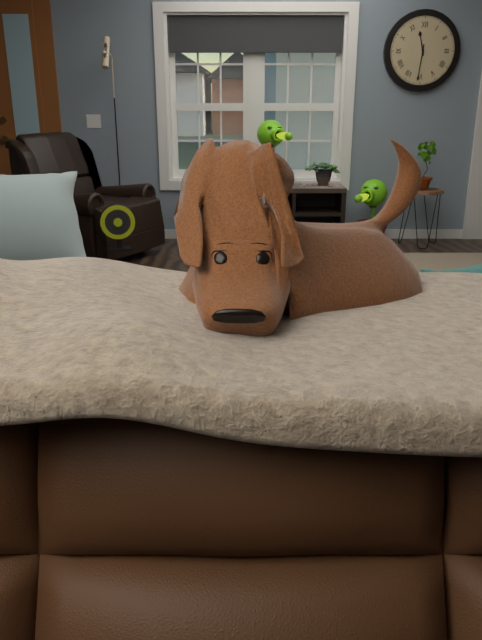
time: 11:31
